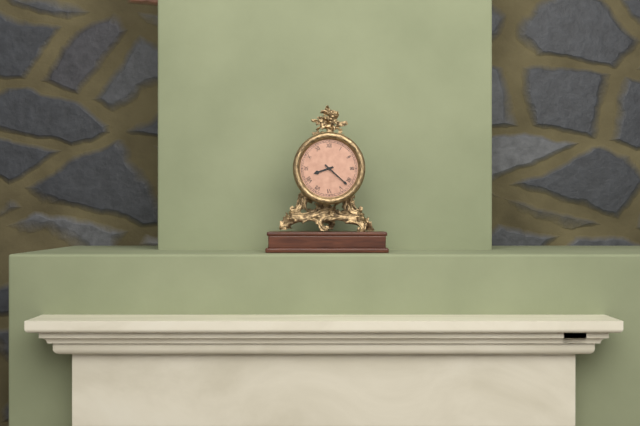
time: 8:22
